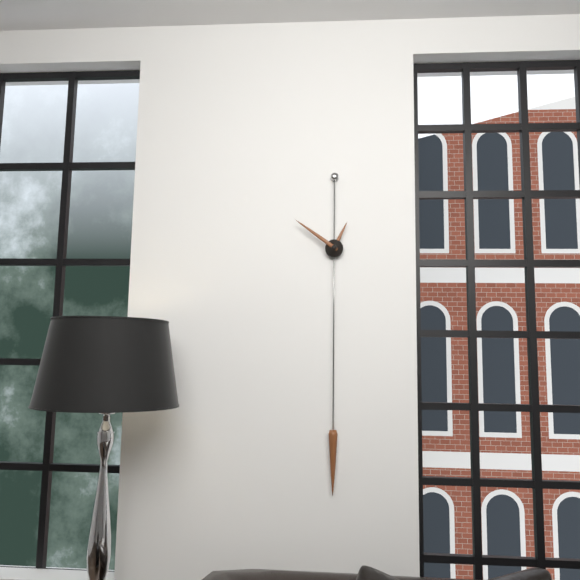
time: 12:51
